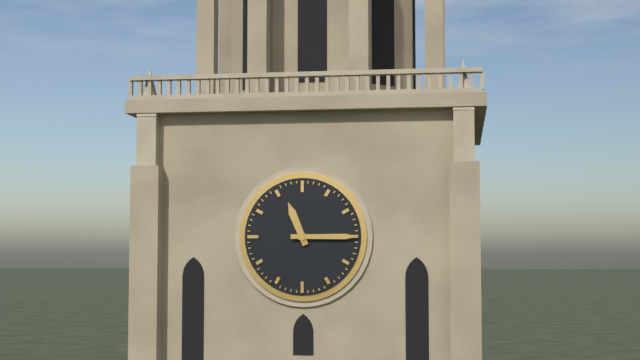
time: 11:15
